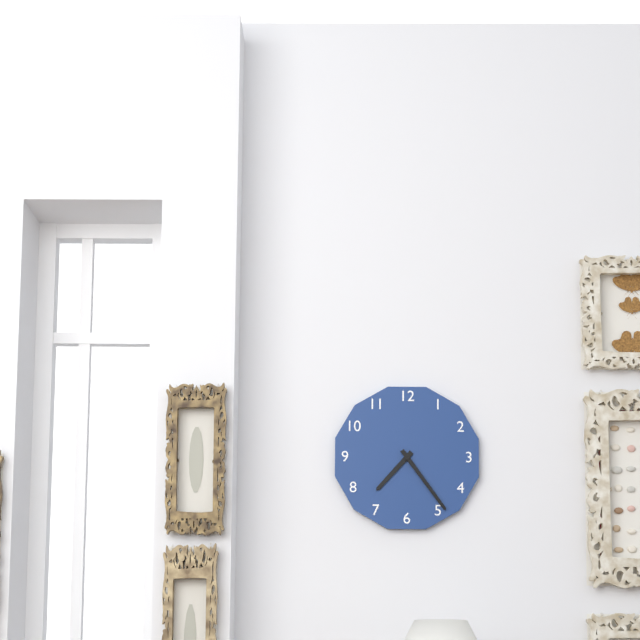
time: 7:24
